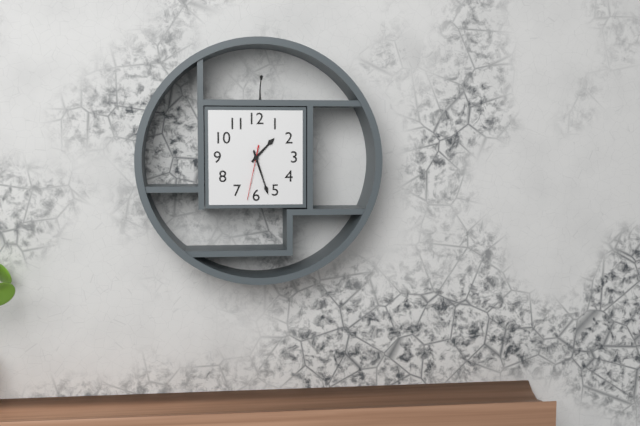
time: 1:27:32
